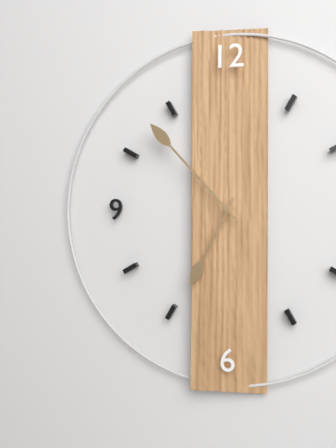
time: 6:53
